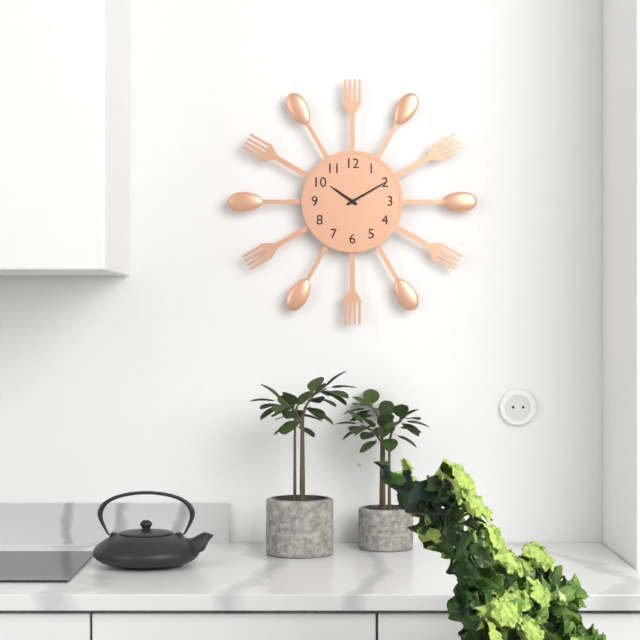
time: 10:10
